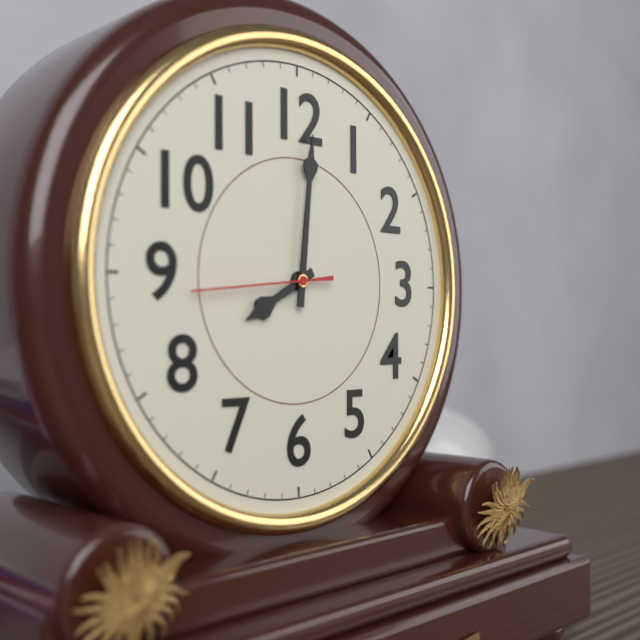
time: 8:01:44
